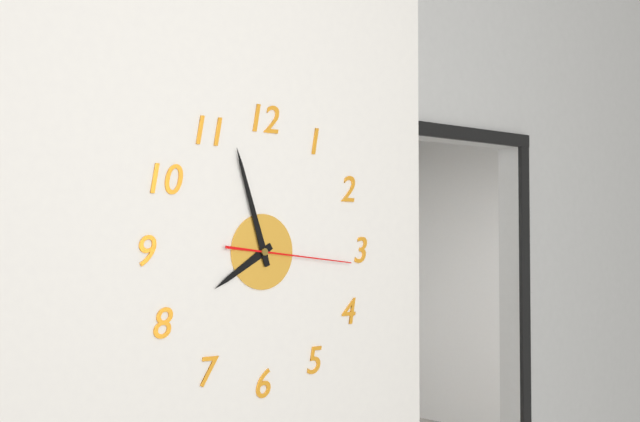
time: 7:57:16
